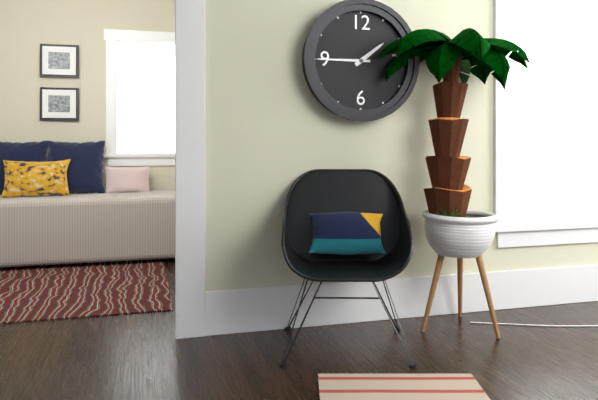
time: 1:45
